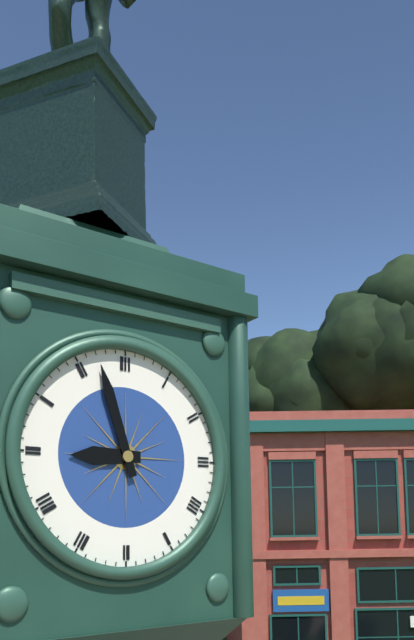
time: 8:57
